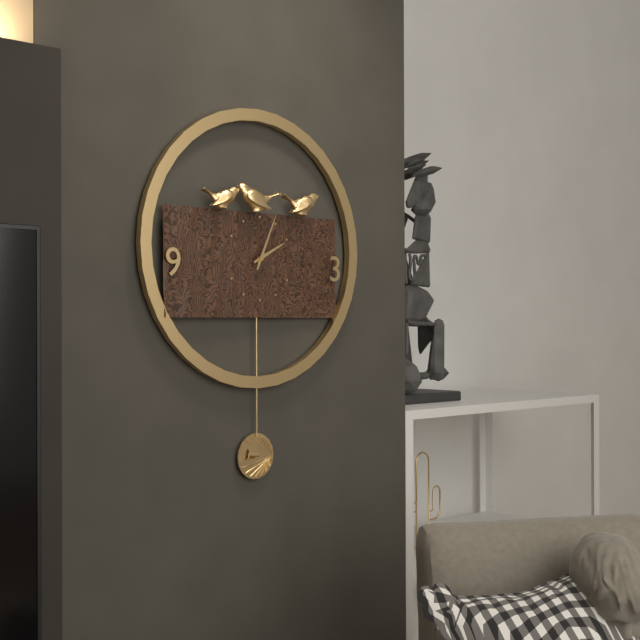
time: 2:04
